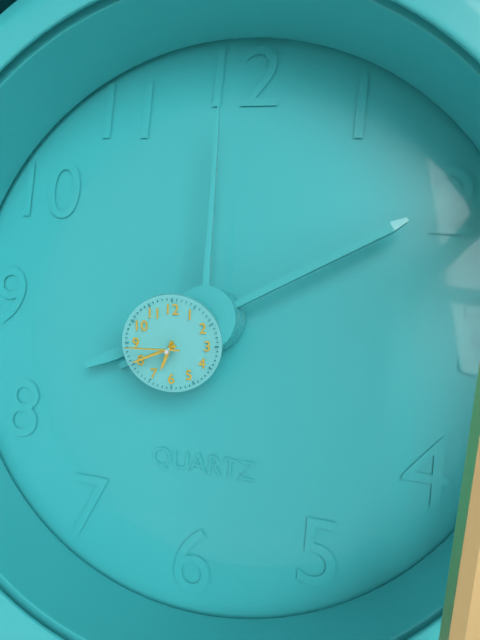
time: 6:41:45
